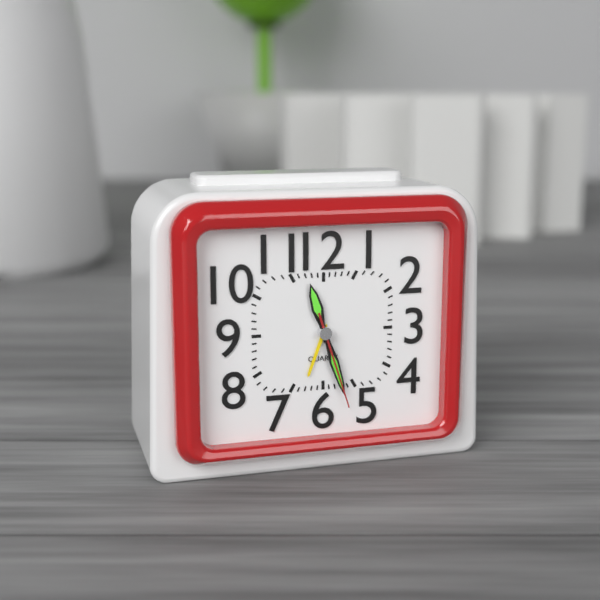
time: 11:27:27
